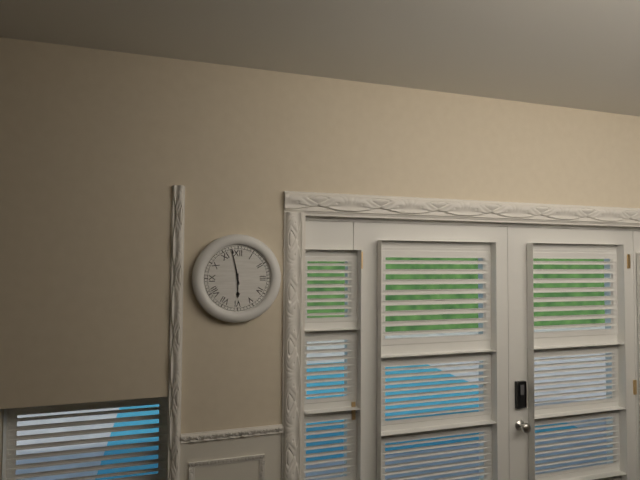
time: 5:58
